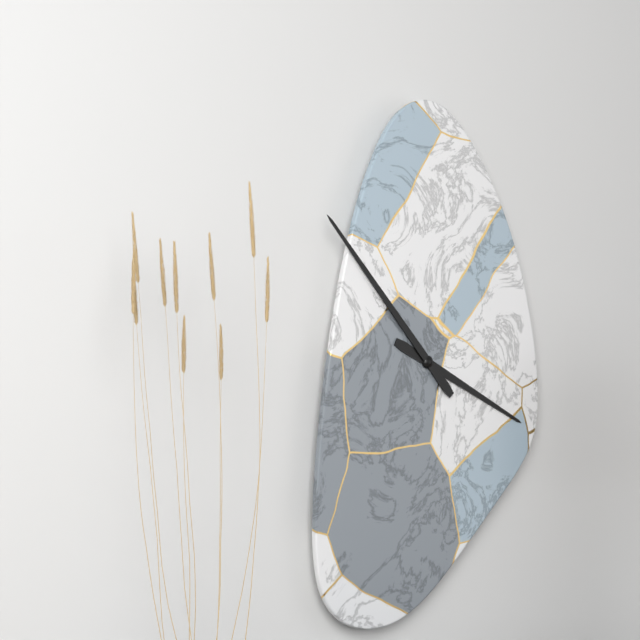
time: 3:53
